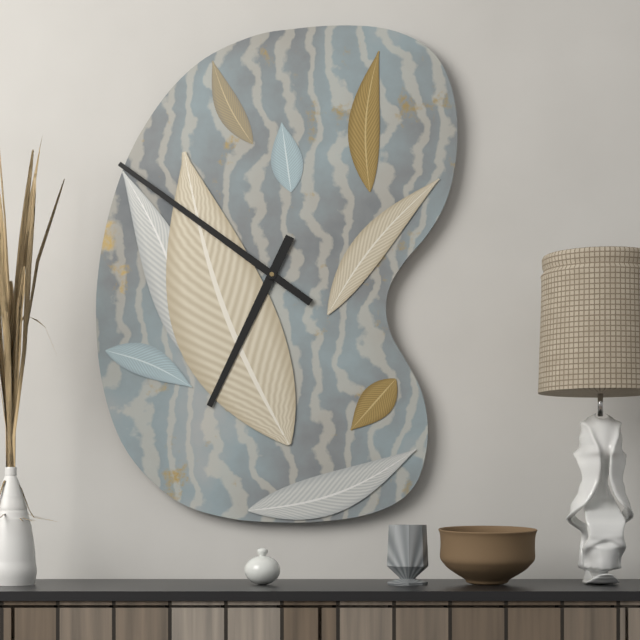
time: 6:51
